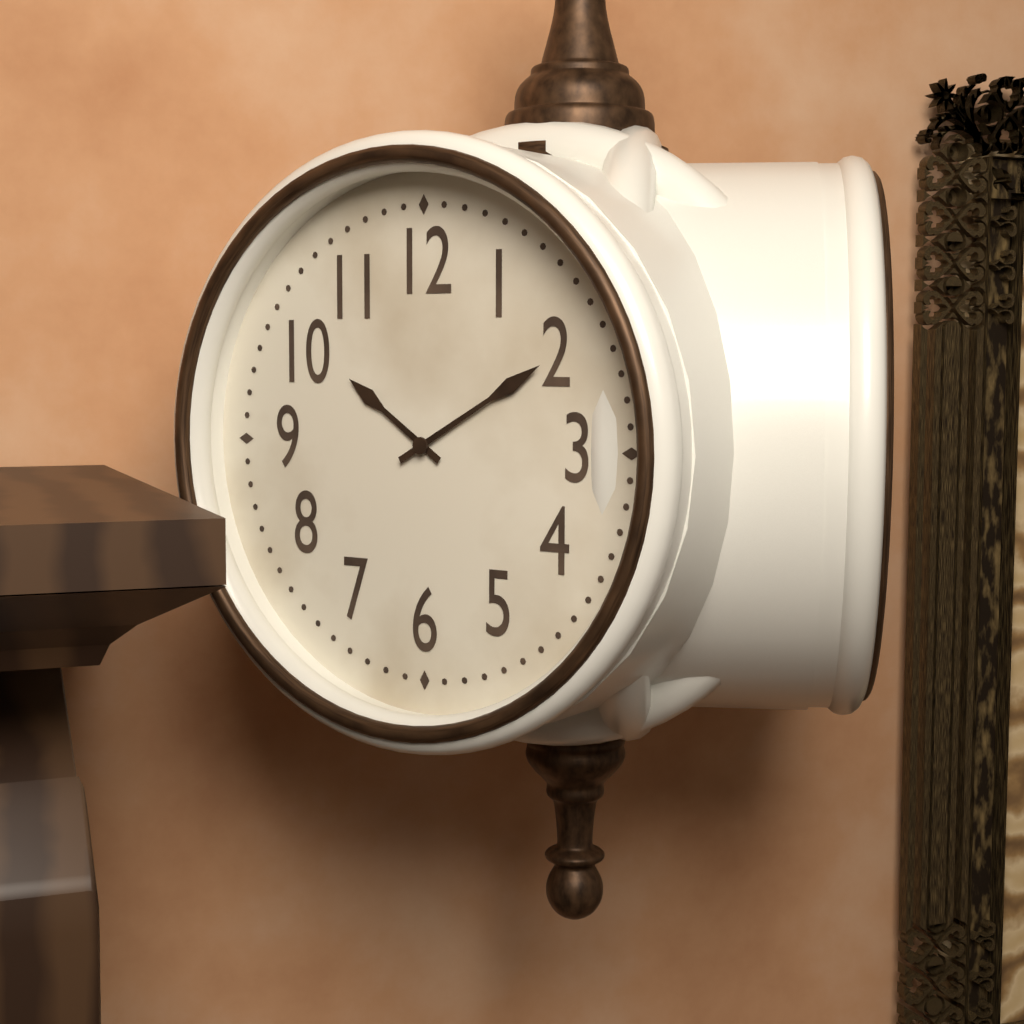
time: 10:10
